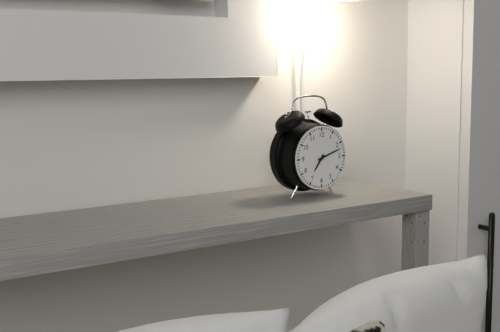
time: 7:12
